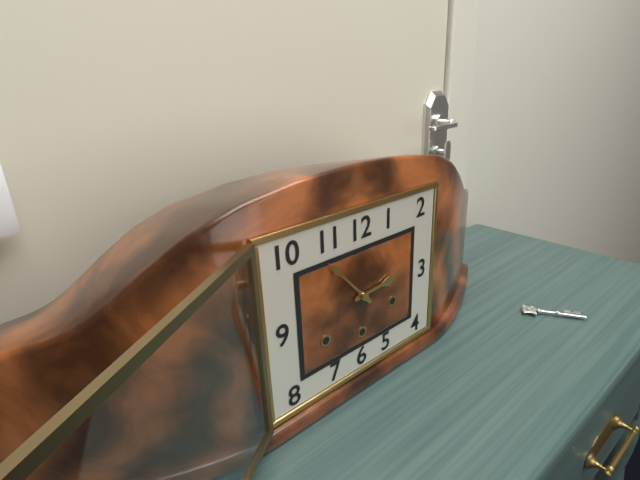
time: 2:53
